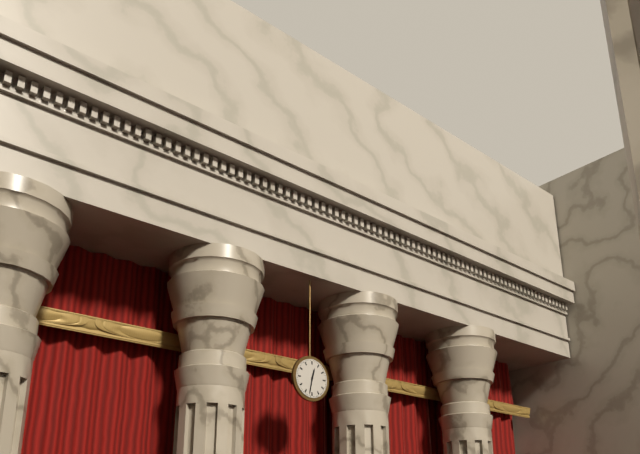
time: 12:32
